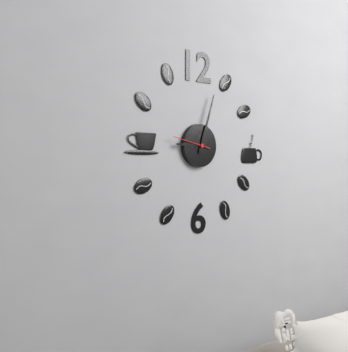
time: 9:03
